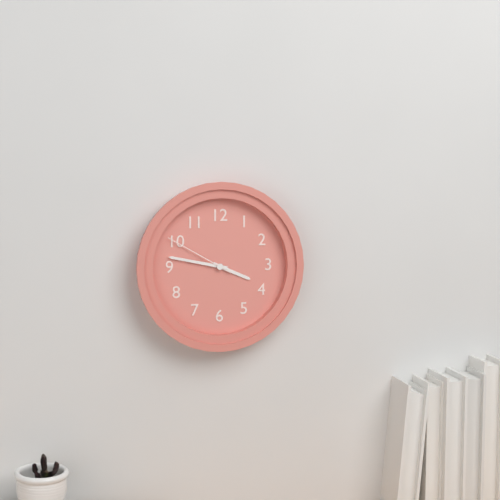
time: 3:47:50
